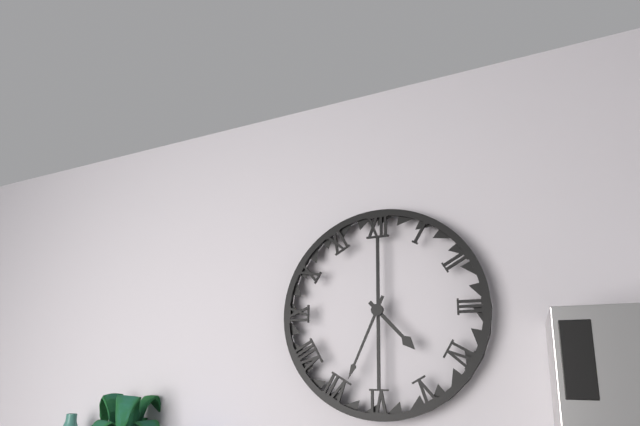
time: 4:34
